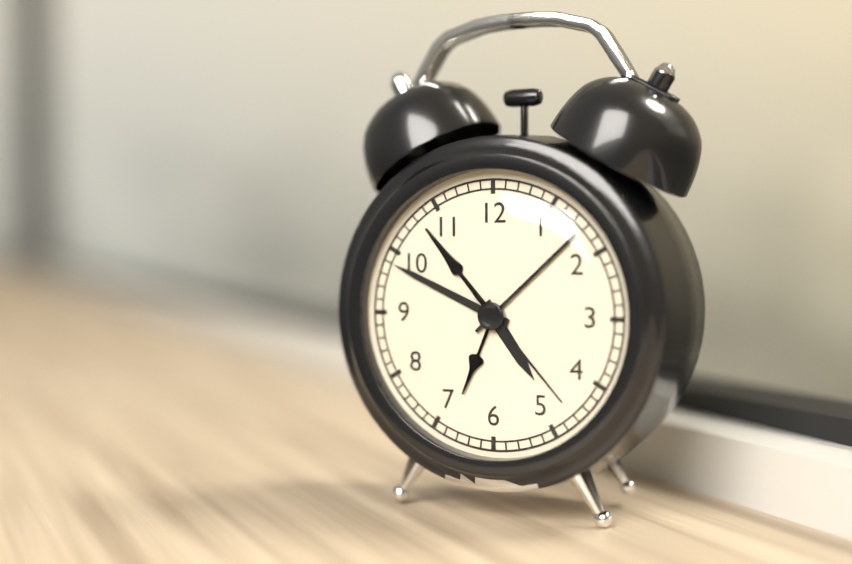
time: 4:49:23
